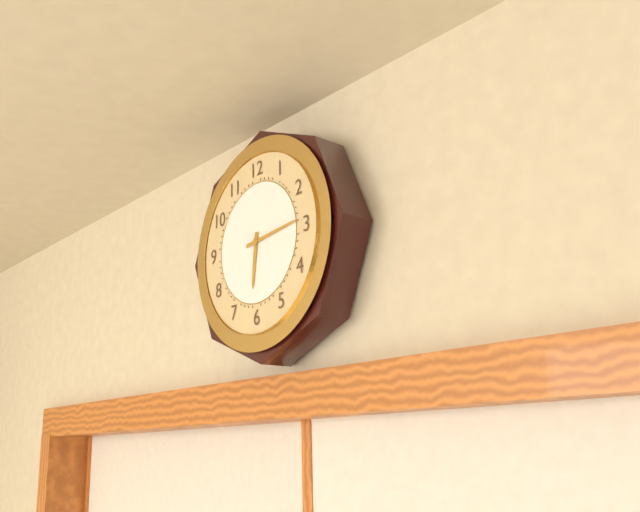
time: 6:14
